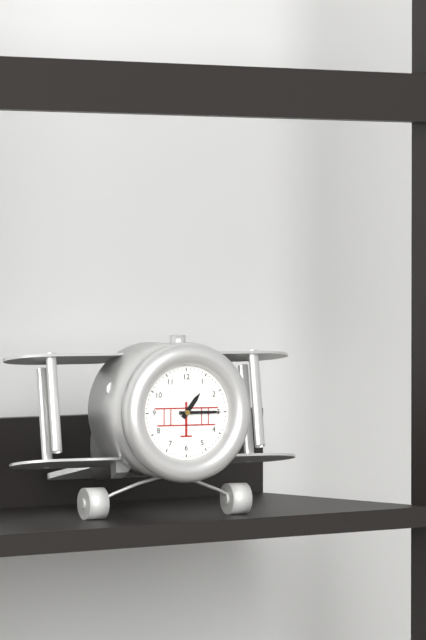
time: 1:15
